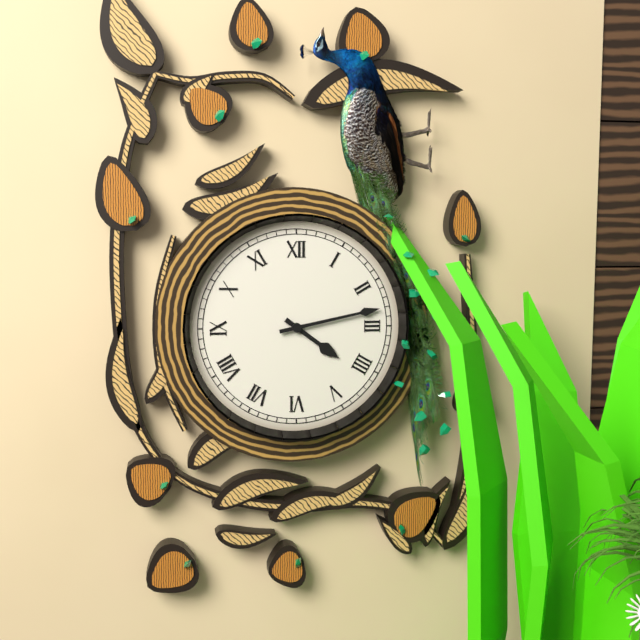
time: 4:13
